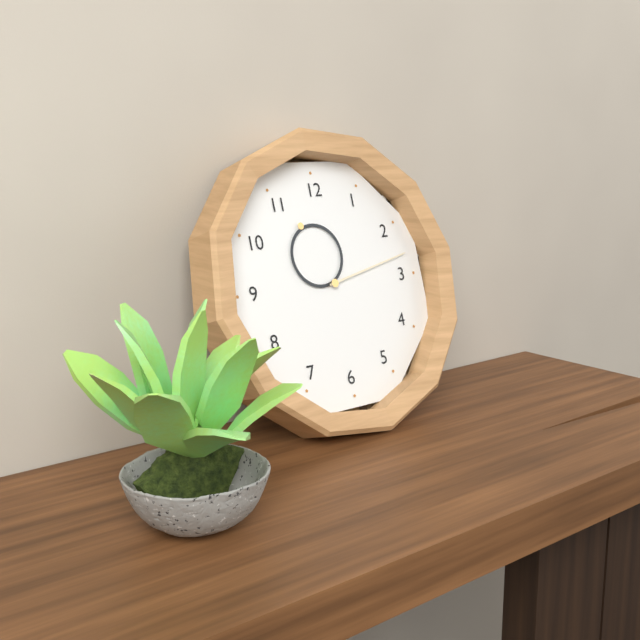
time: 11:13
